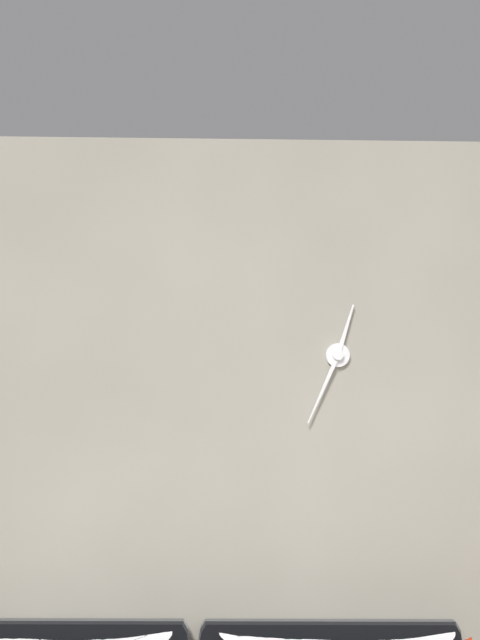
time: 12:34
